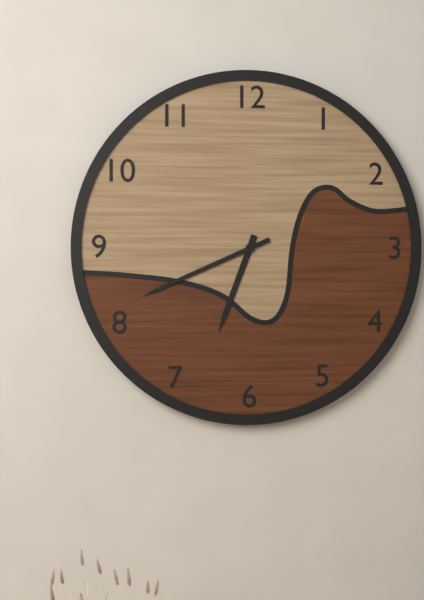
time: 6:41
